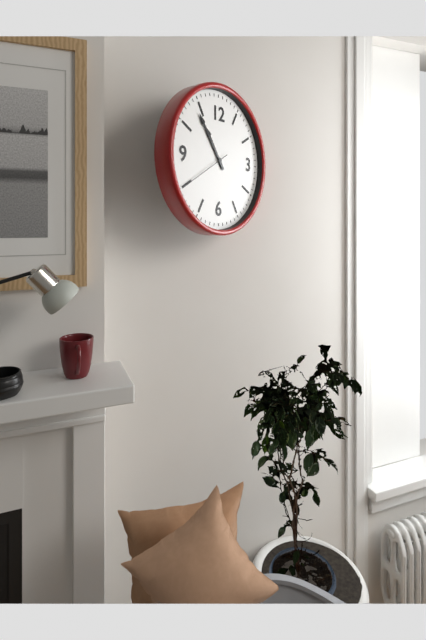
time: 10:54:40
